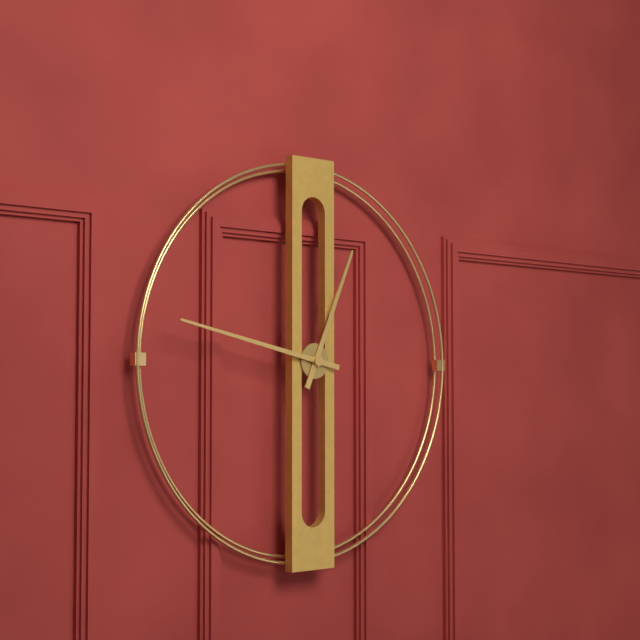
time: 12:47
